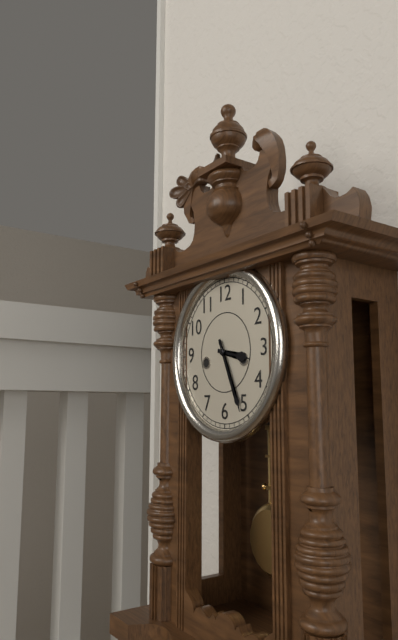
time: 3:26
